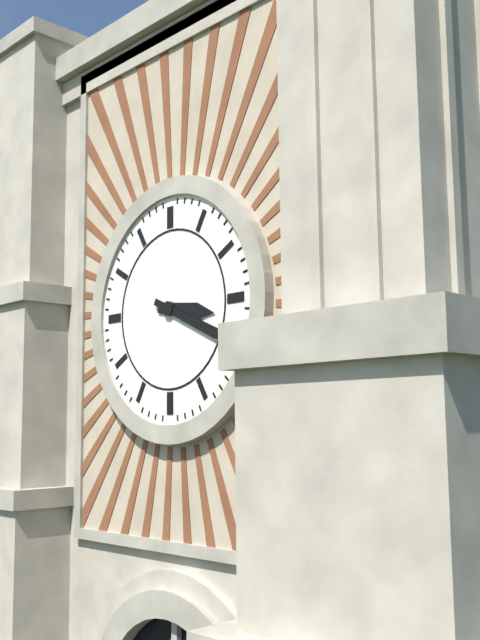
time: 3:19
